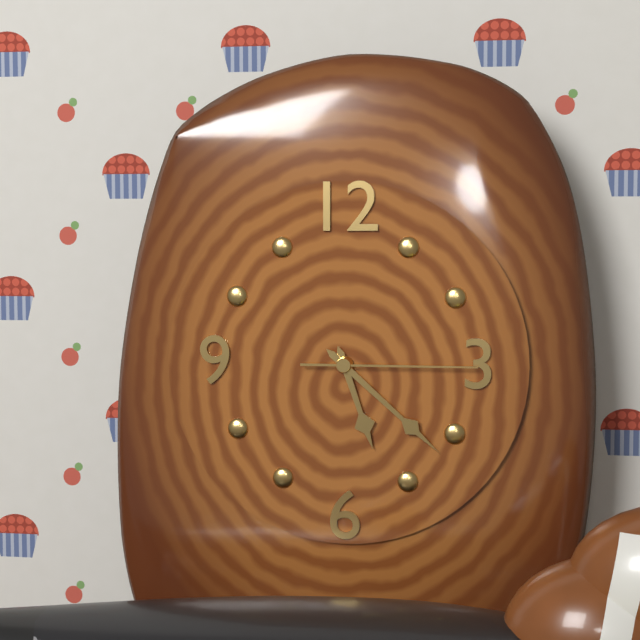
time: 5:22:15
